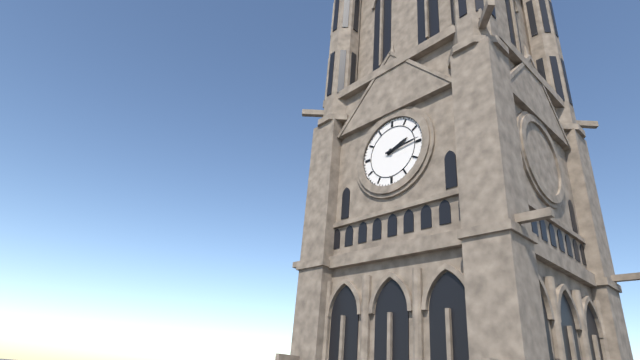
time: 2:14
